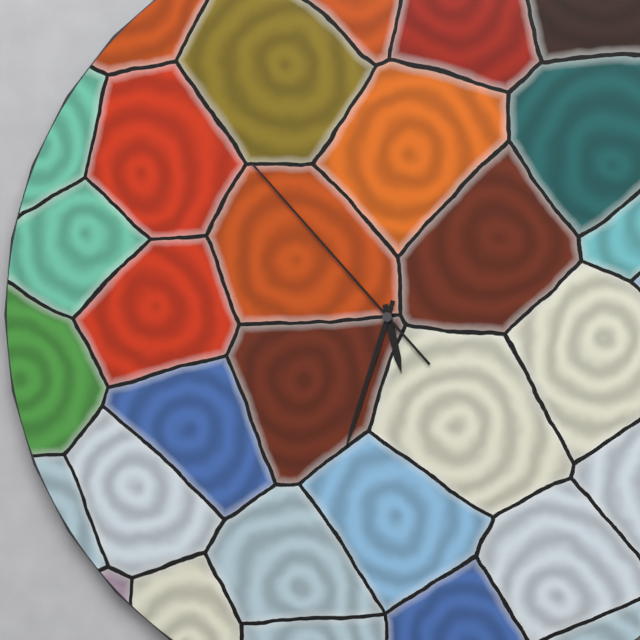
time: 5:33:53
